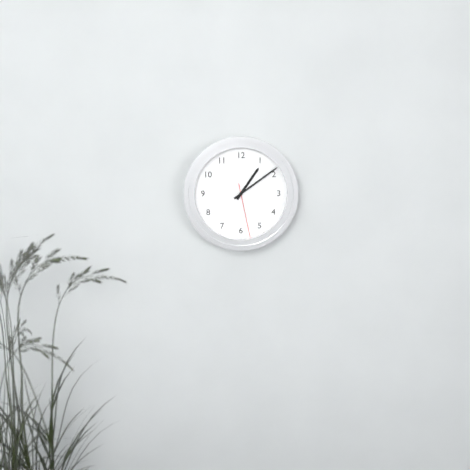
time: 1:09:28
